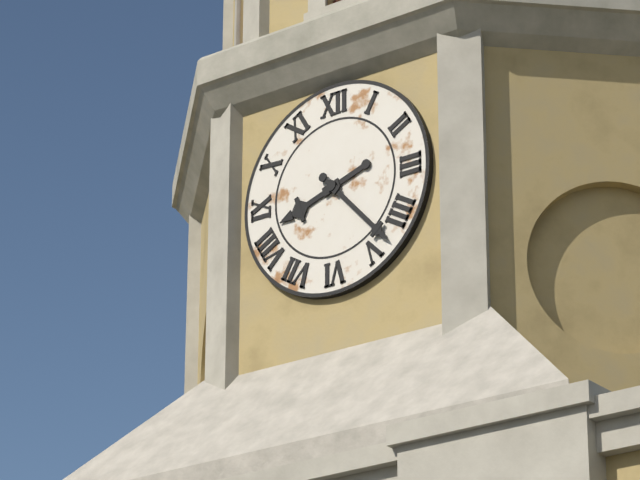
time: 8:23
